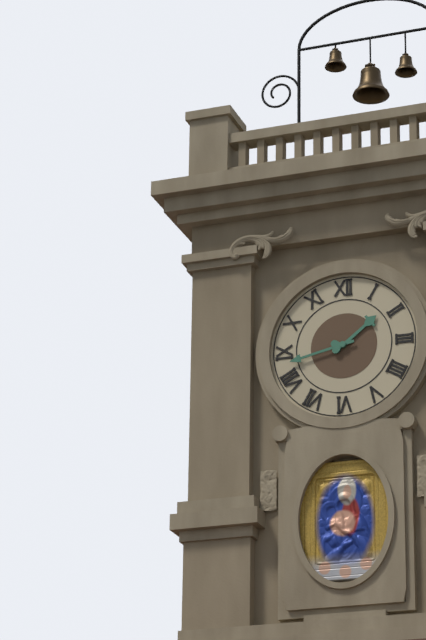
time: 1:43
